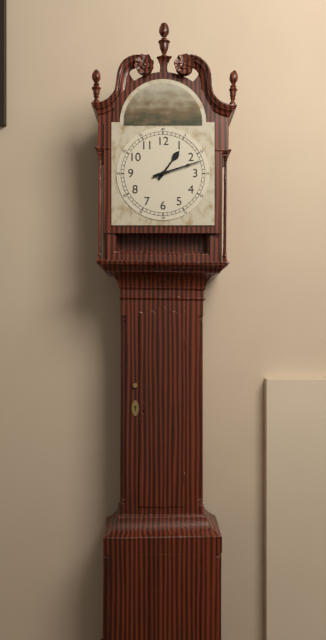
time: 1:12
